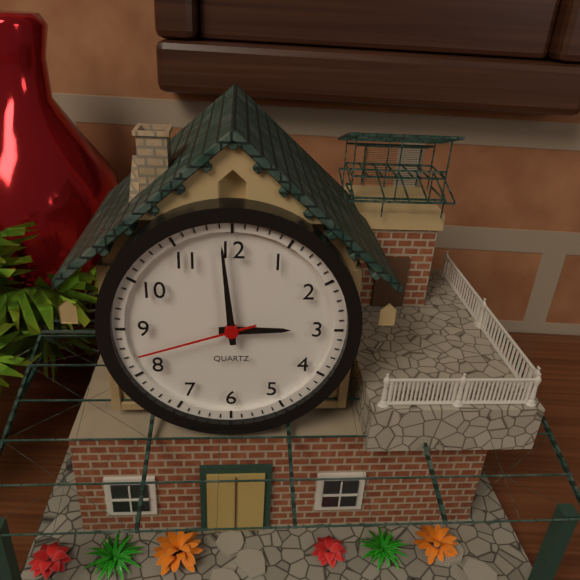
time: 2:59:42
